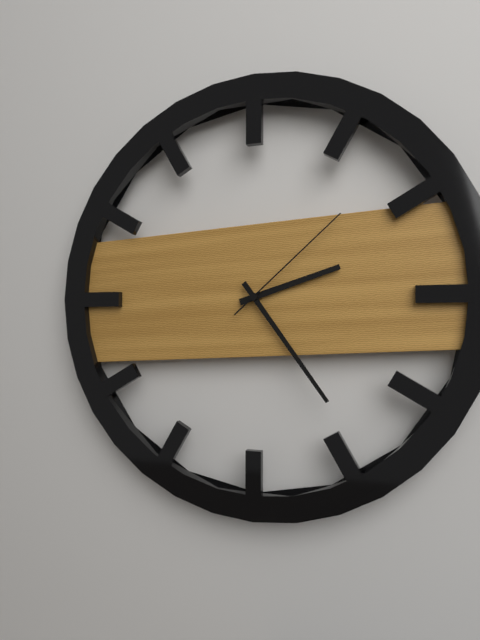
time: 2:24:08
